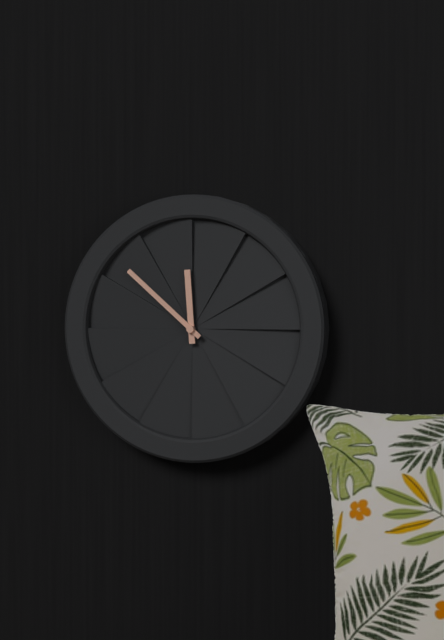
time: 11:52
